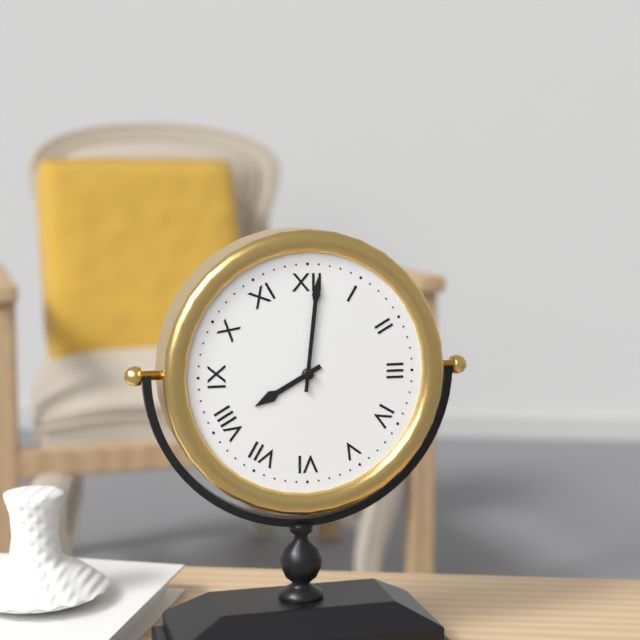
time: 8:01
